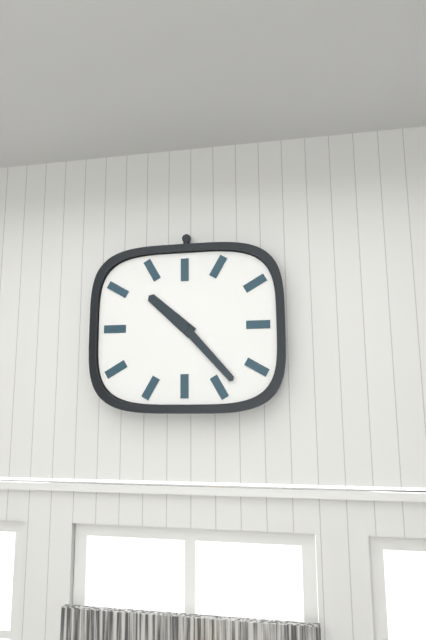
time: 10:23
